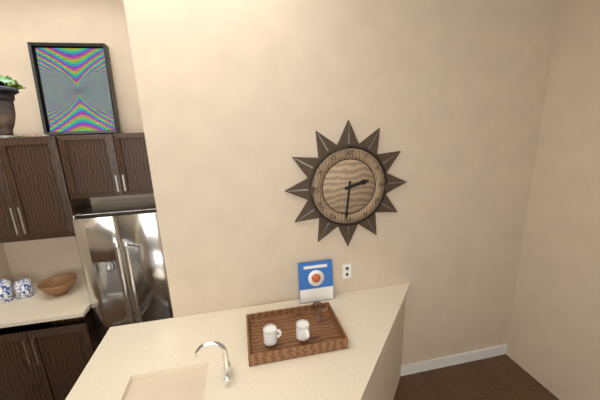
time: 2:31
